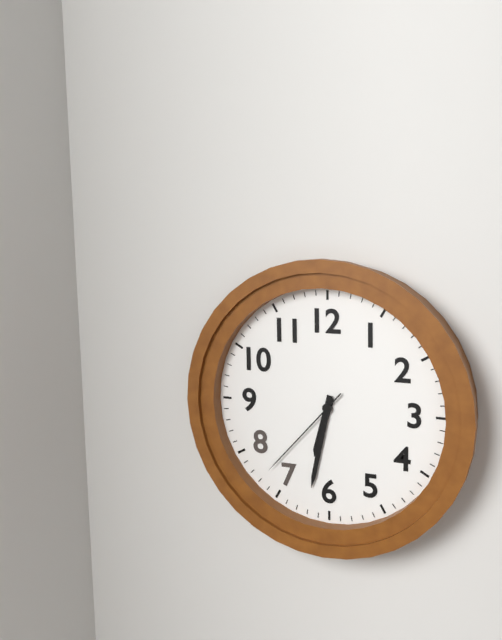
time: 6:32:37
